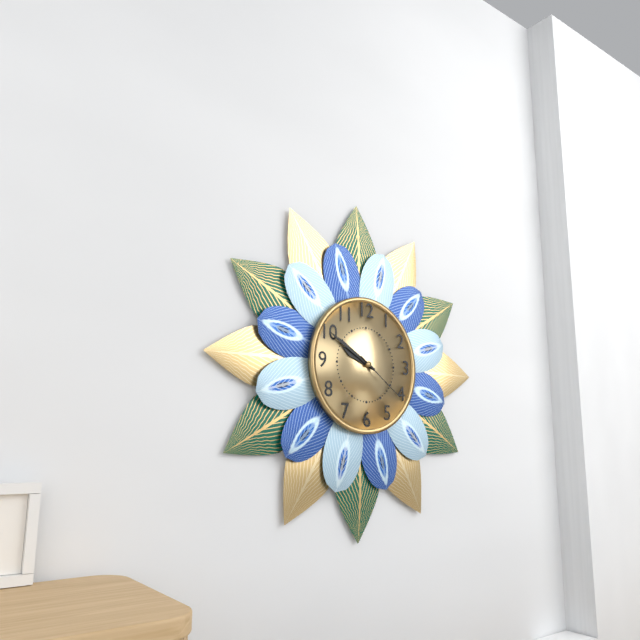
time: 9:50:21
